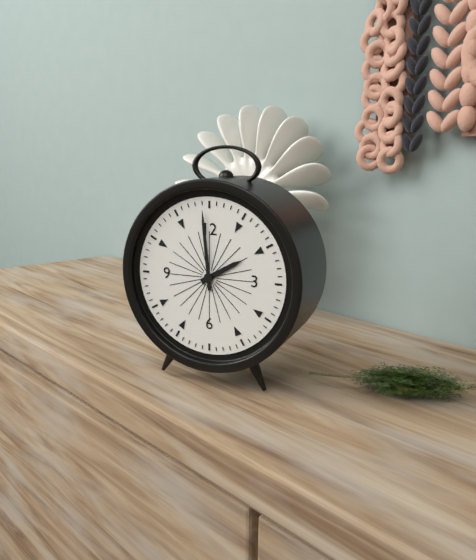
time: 1:59
